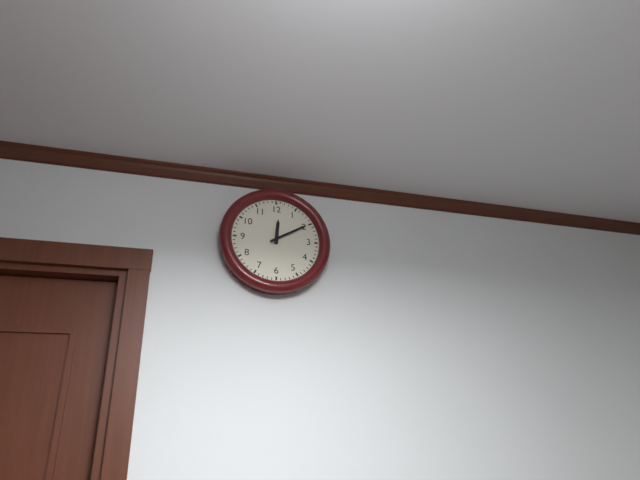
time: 12:10
